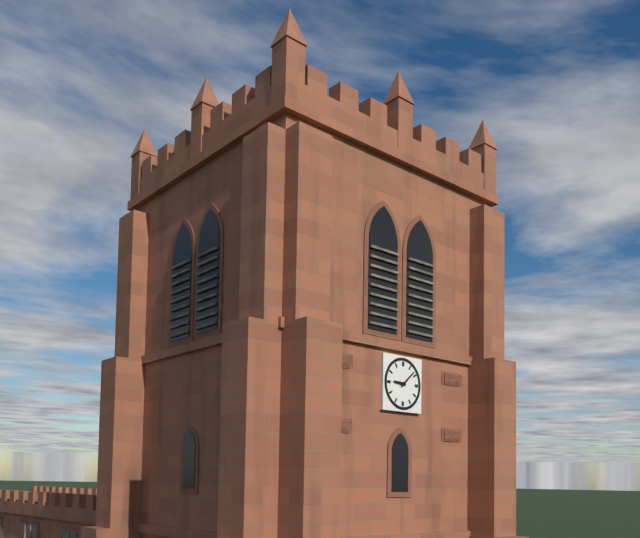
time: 9:08
